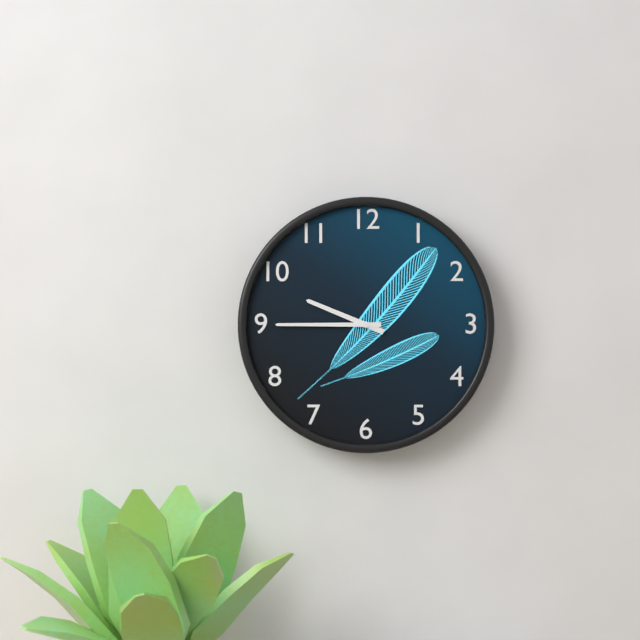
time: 9:45
